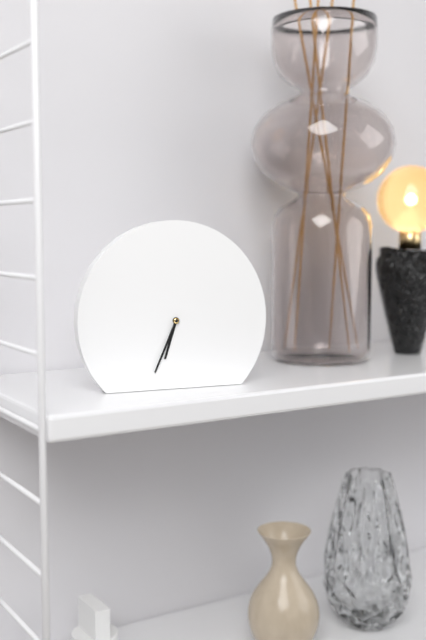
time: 6:34
